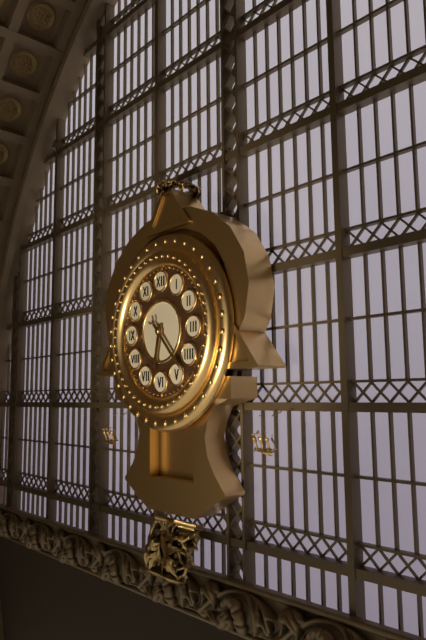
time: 6:23
